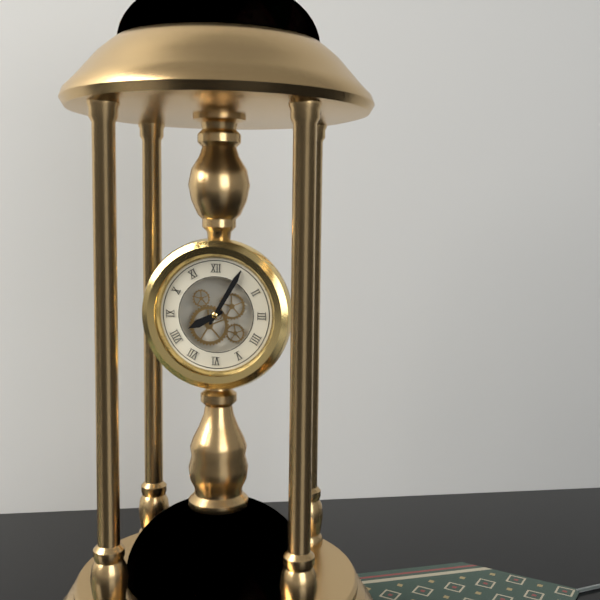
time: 8:05
